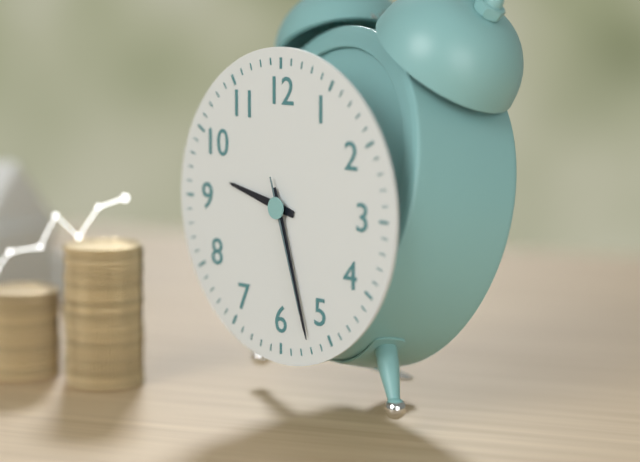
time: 9:27:27
